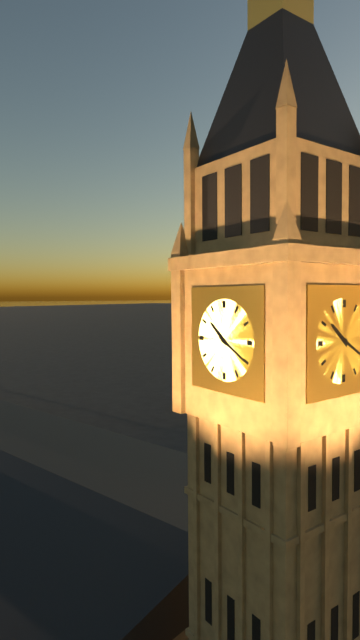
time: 10:20
